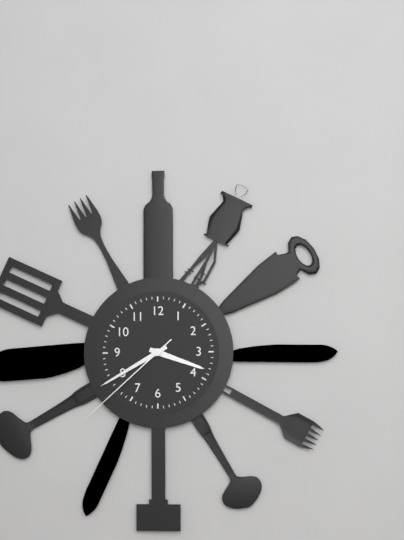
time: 3:40:38
